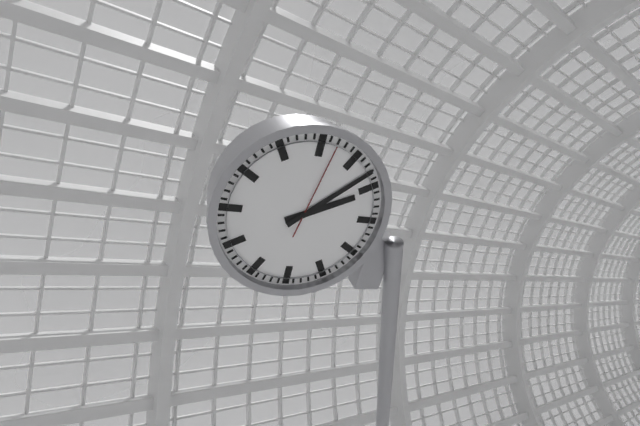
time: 2:08:02
